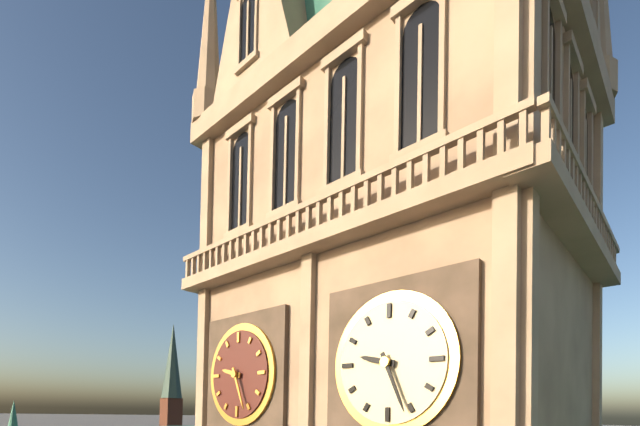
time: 9:26
